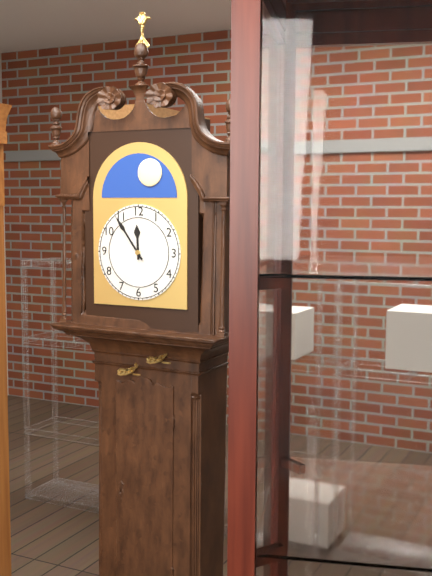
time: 11:54
